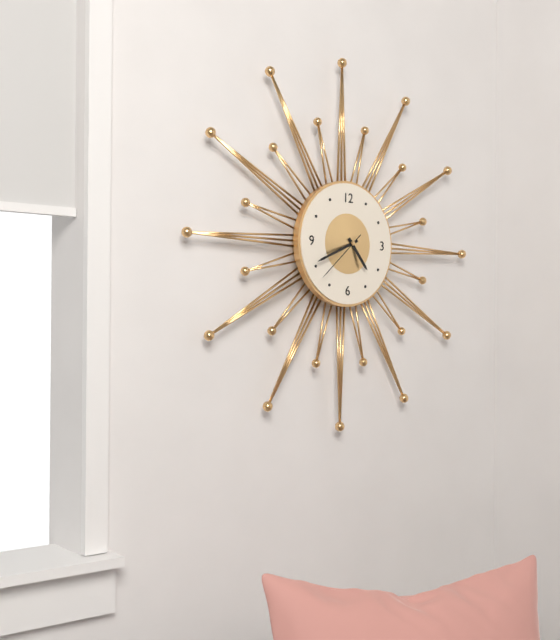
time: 4:41:38
